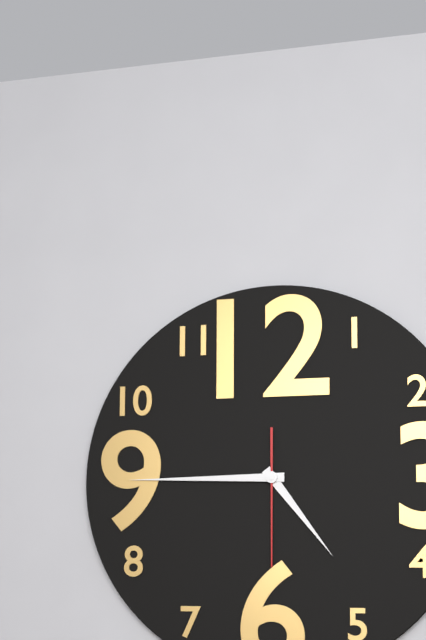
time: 4:45:30
